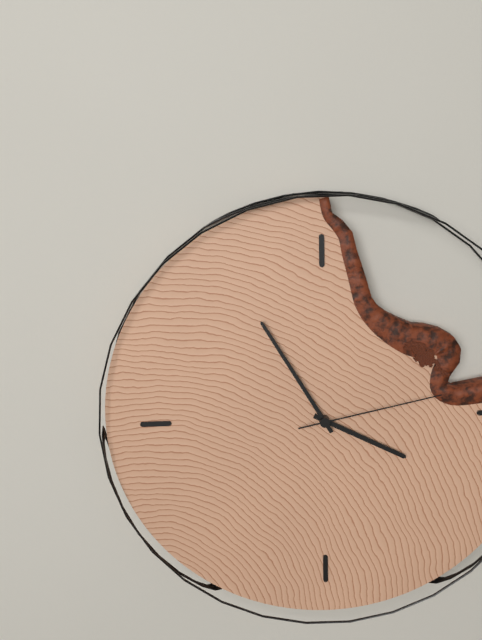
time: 3:55:13
